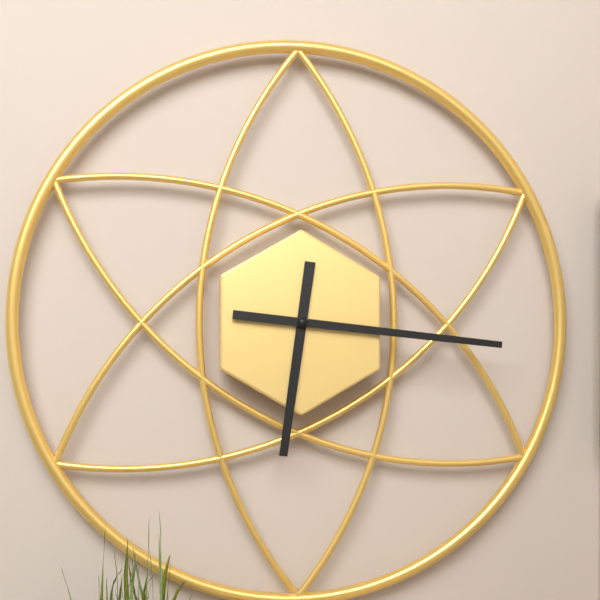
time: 6:16
